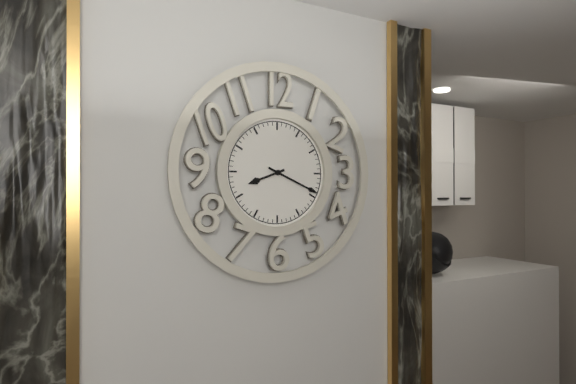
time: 8:19
